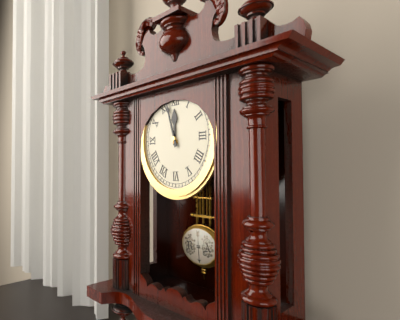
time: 11:57
